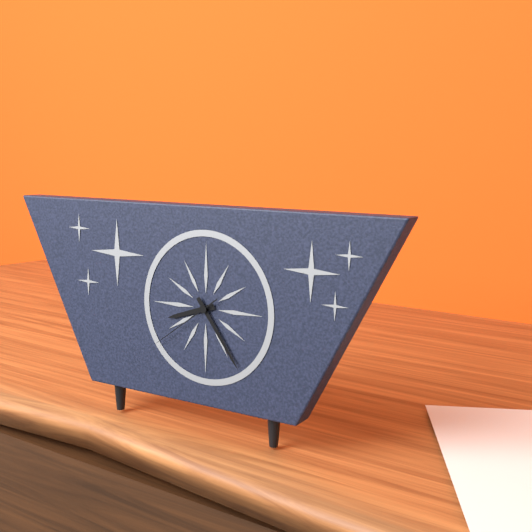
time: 8:24:39
